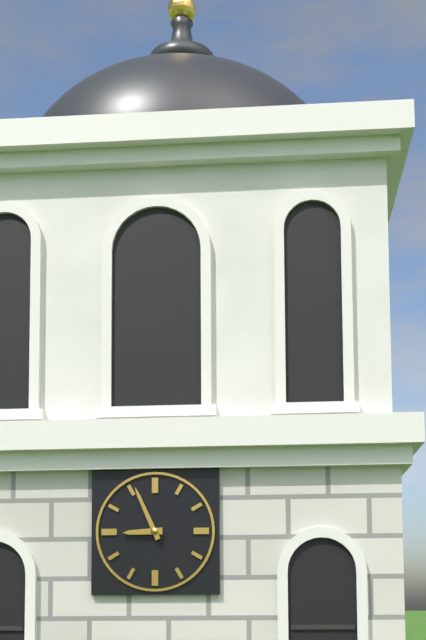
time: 8:56
